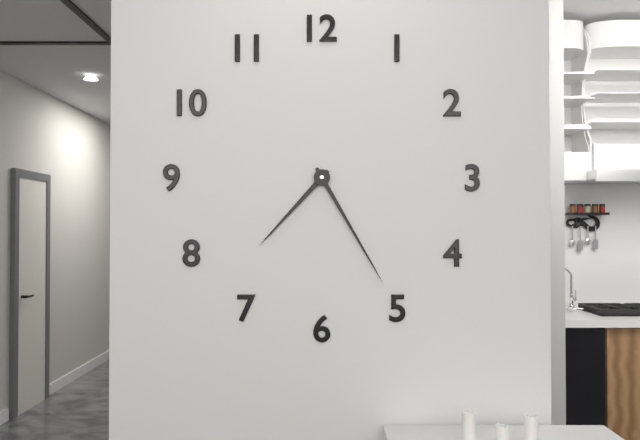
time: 7:25
